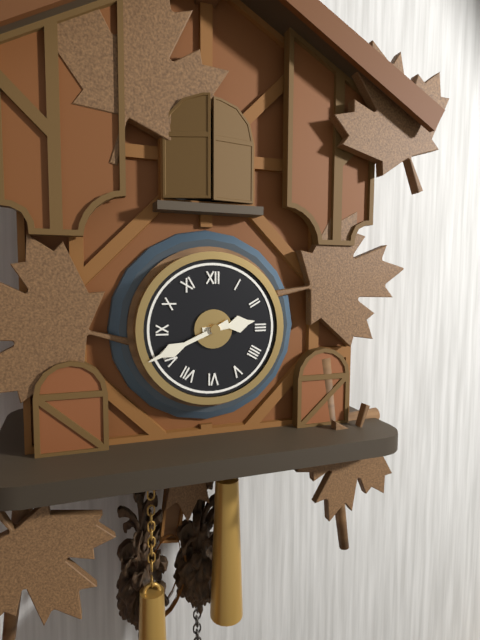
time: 2:41
